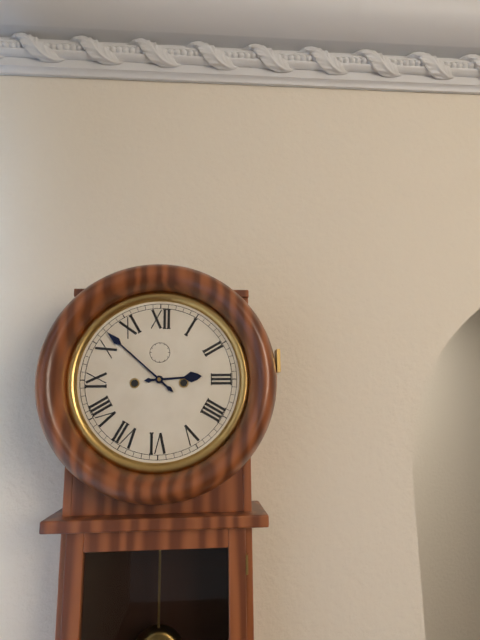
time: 2:52
